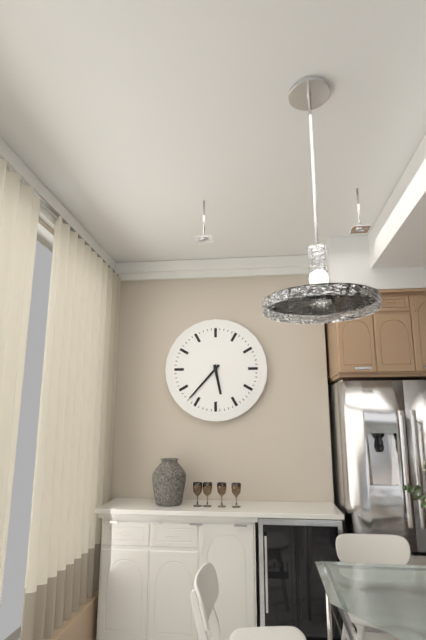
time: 5:37
